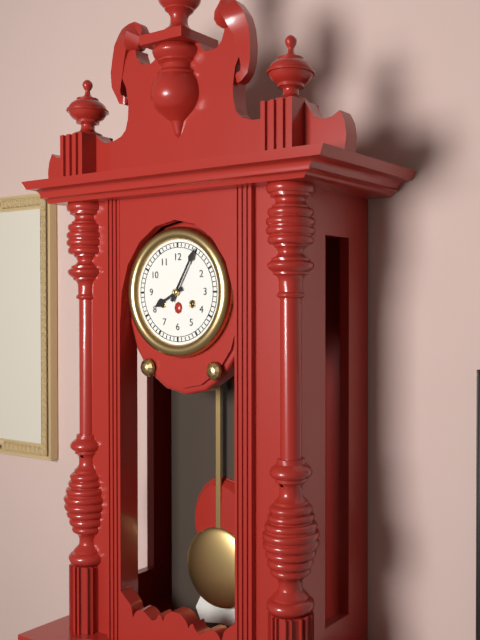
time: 8:05
